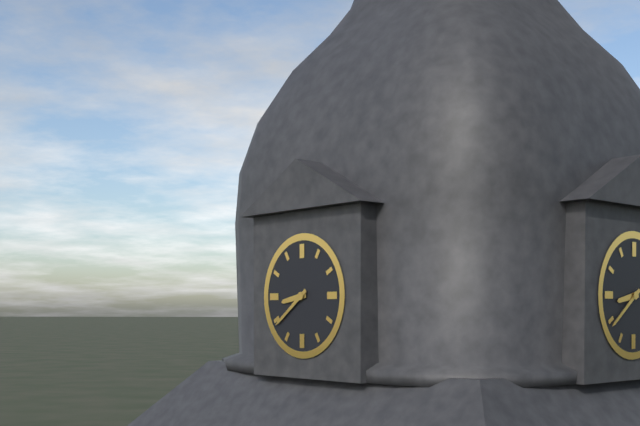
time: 8:39
